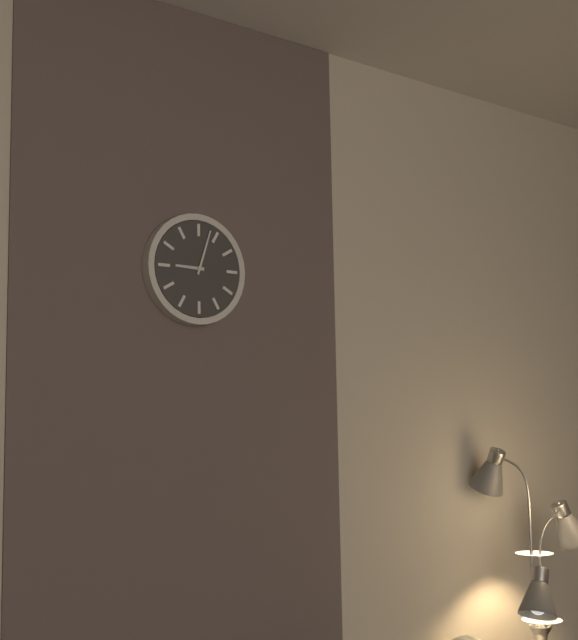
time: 9:03
